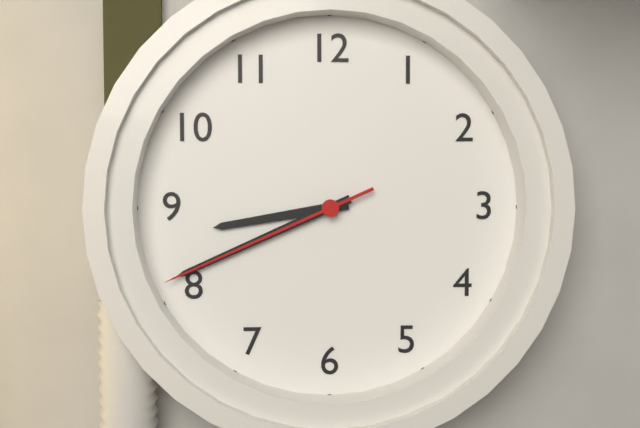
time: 8:41:41
